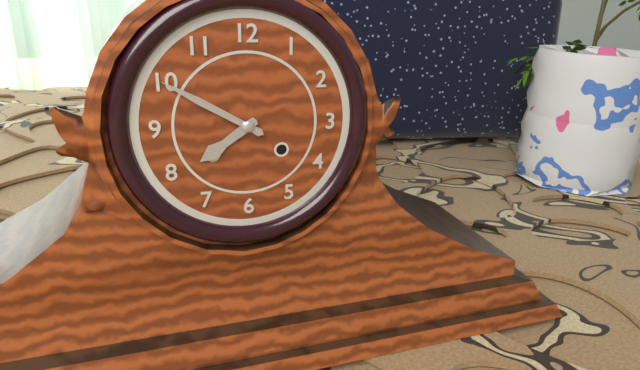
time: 7:50
